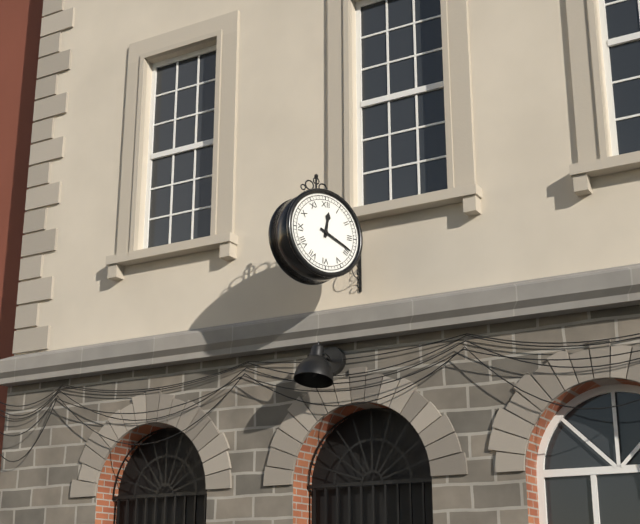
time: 12:19
